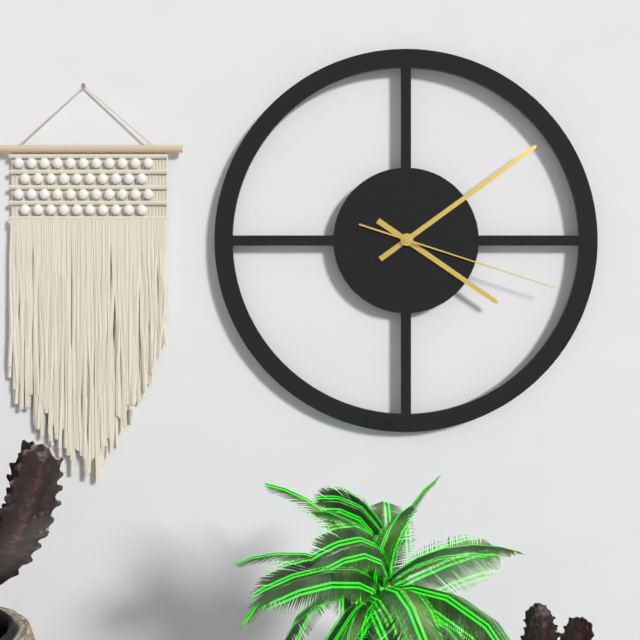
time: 4:09:18
